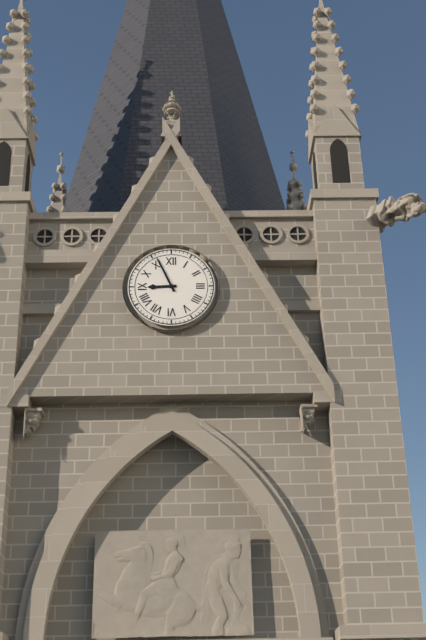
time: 8:56
